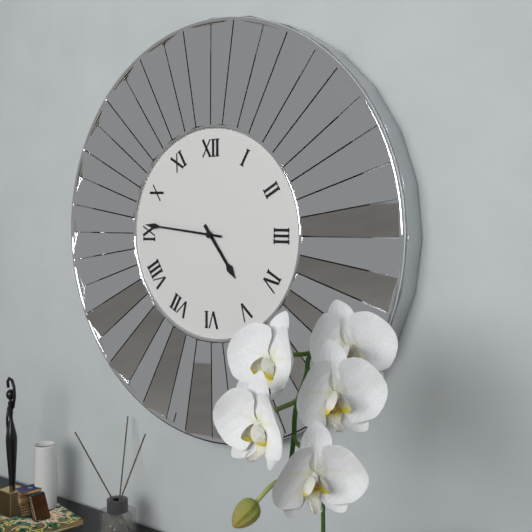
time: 4:46
